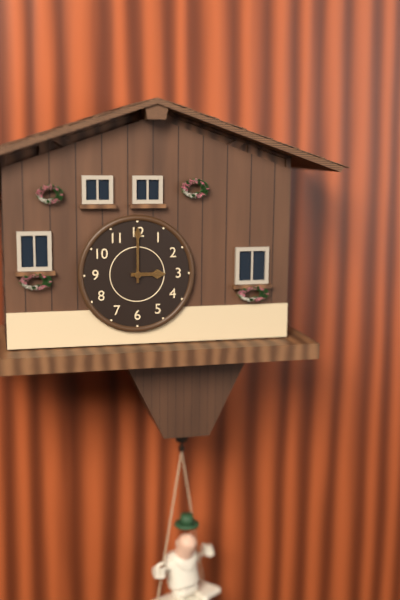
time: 3:00
